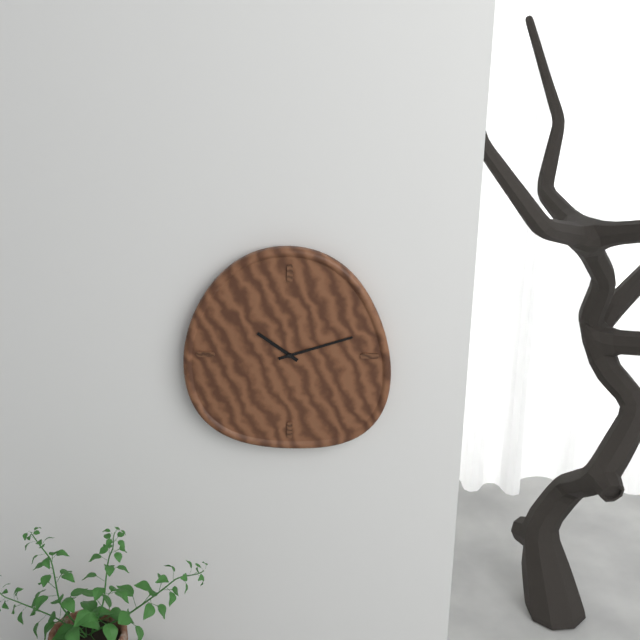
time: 10:12
